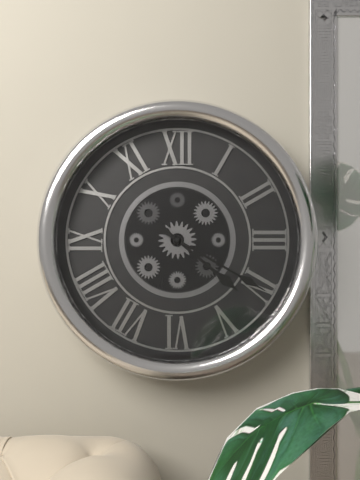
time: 4:20
